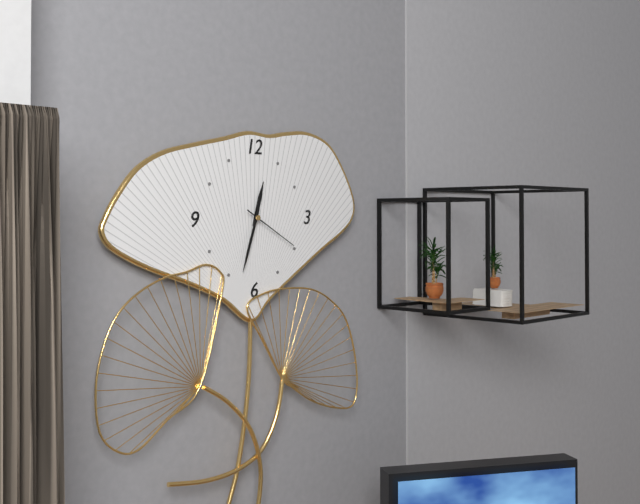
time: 12:33:20
